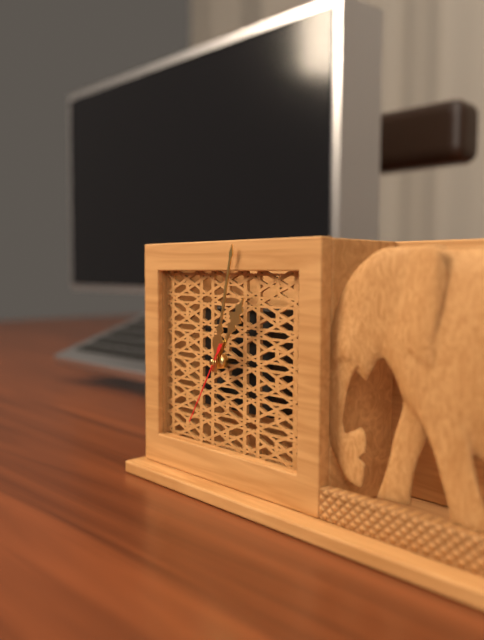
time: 1:02:35
